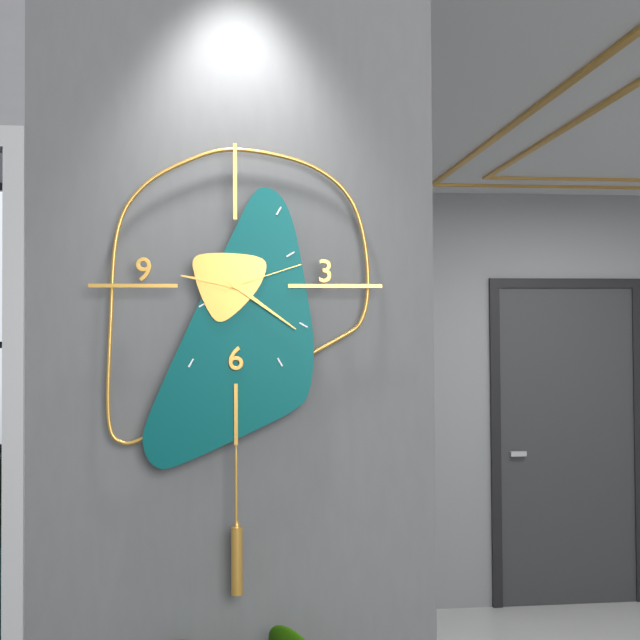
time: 9:21:12
